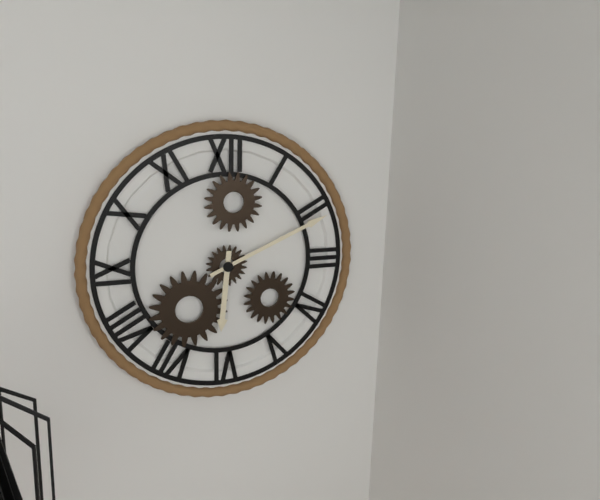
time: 6:11
